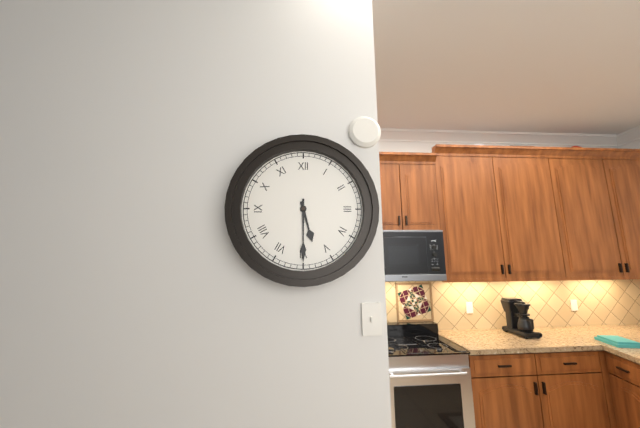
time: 5:30
